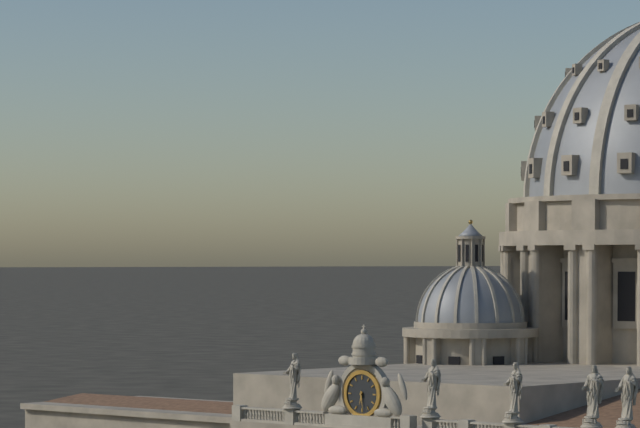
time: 6:29
